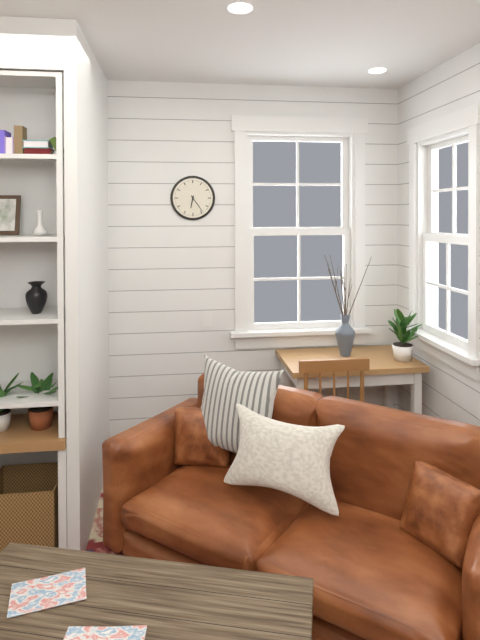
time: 6:24
